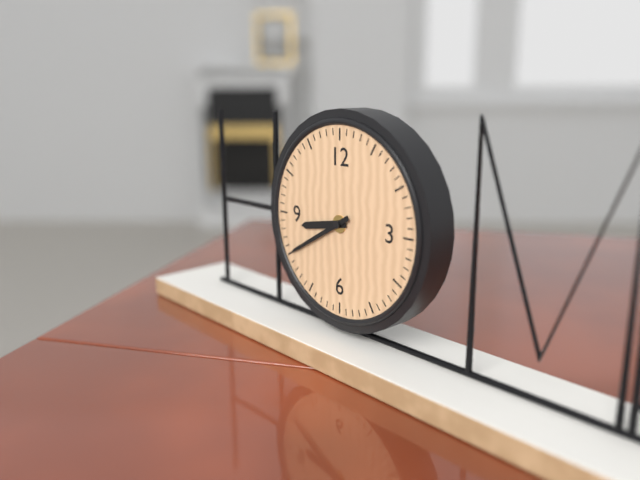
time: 8:40
